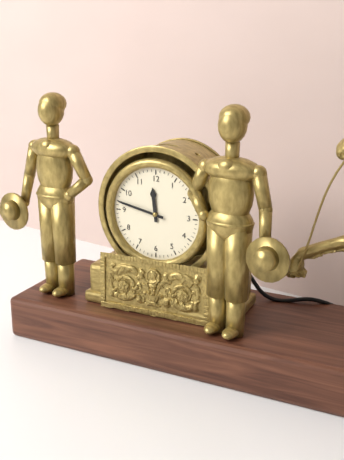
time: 11:47
